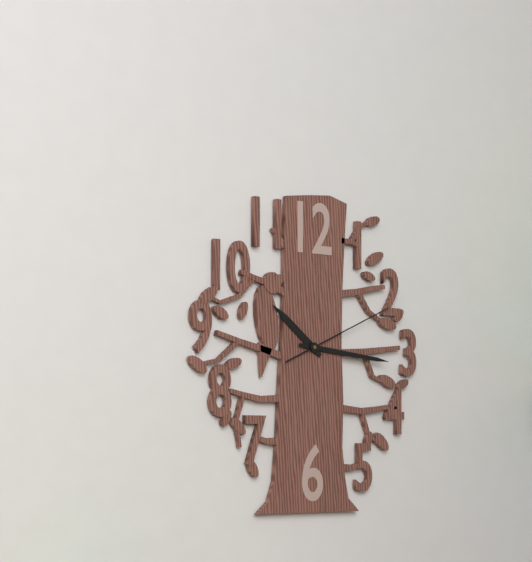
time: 10:16:11
